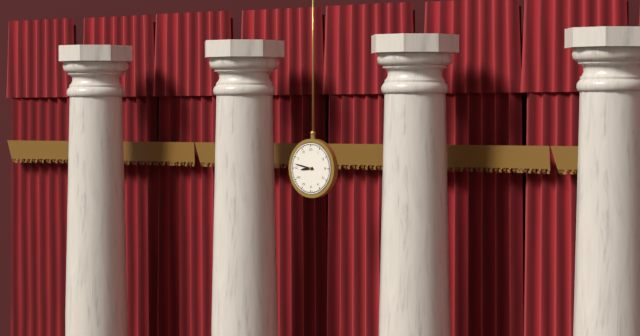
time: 8:47
